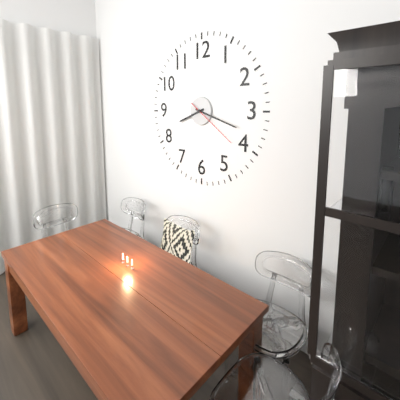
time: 8:18:21
